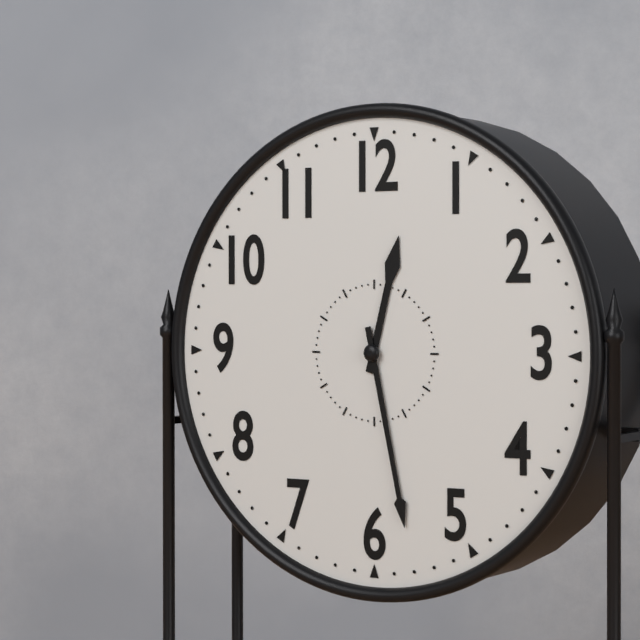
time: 12:28
